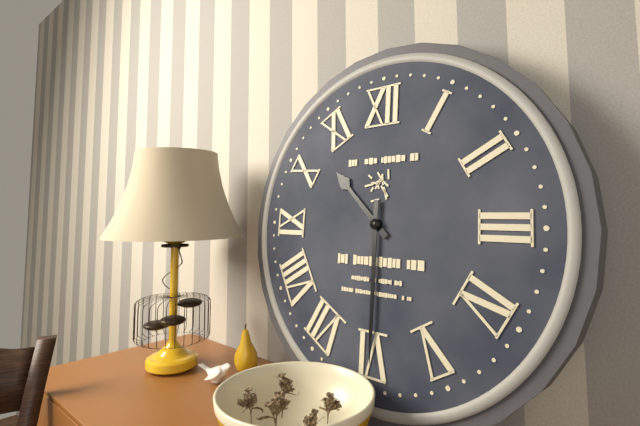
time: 10:30
